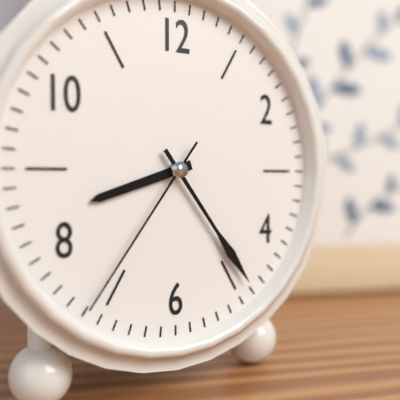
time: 8:24:36
